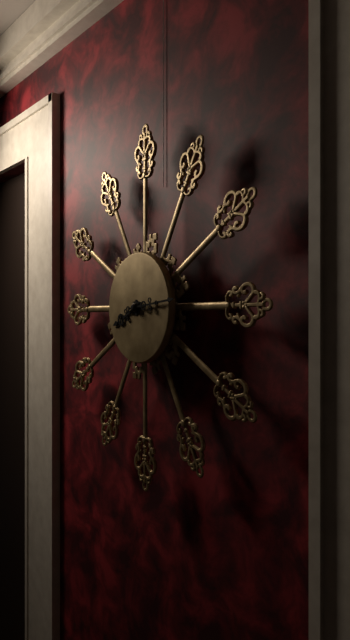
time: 8:14
